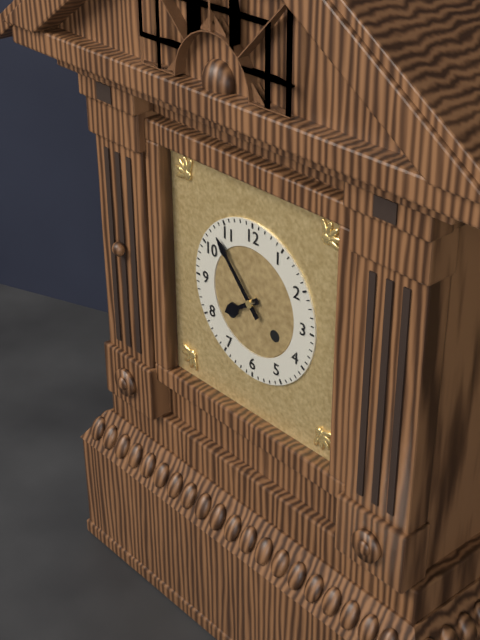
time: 7:53
